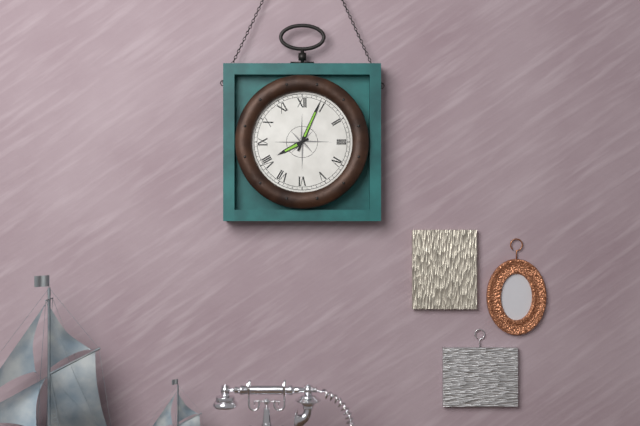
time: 8:04
